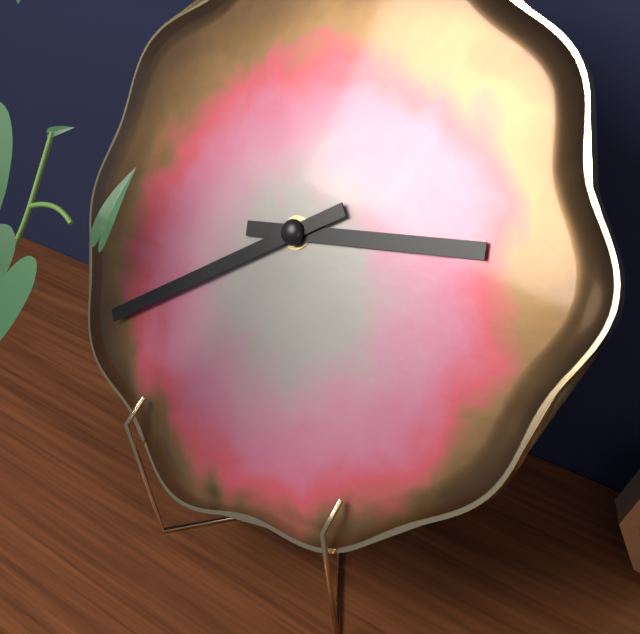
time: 2:39
